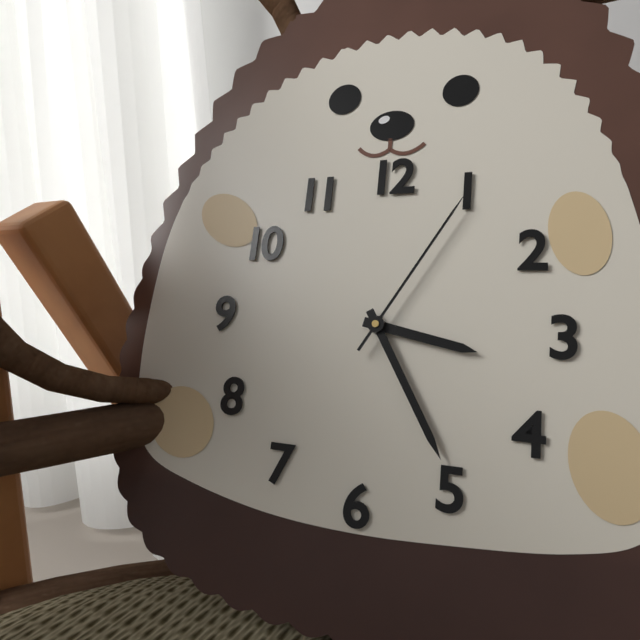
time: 3:25:05
